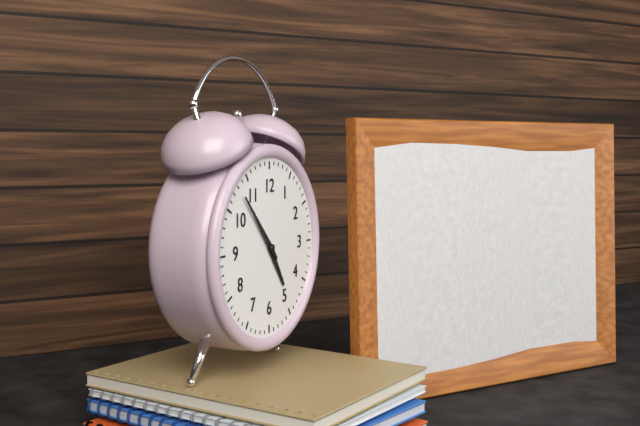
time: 4:53
